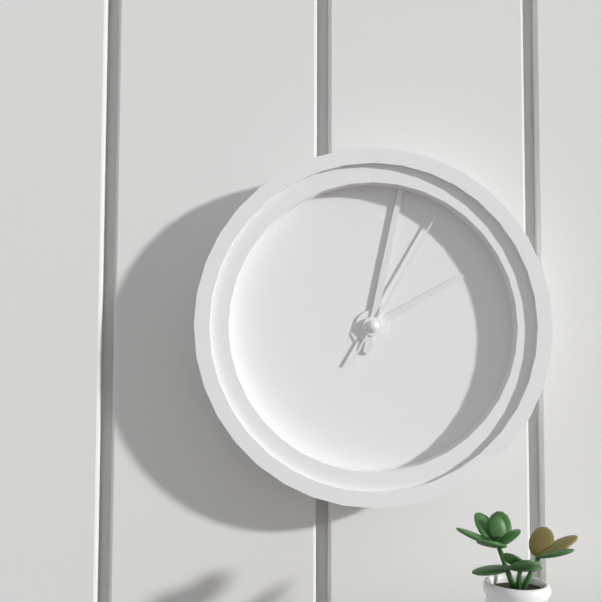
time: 2:02:05
